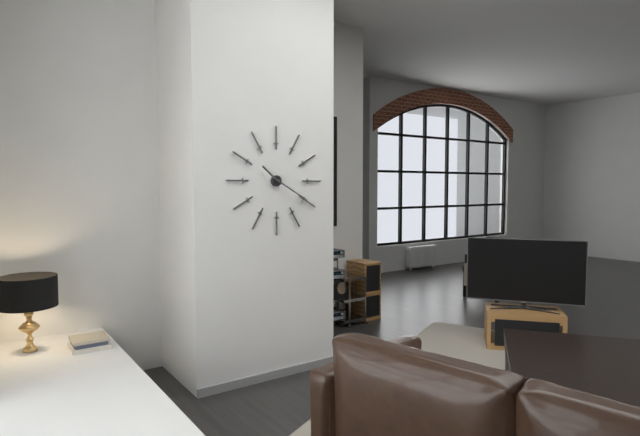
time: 10:20
